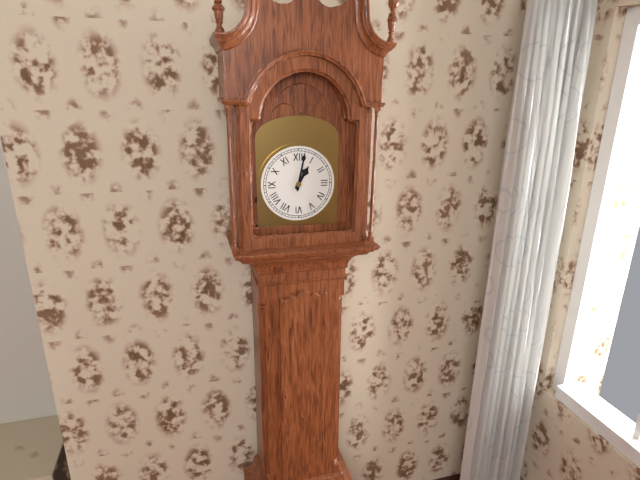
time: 1:02
